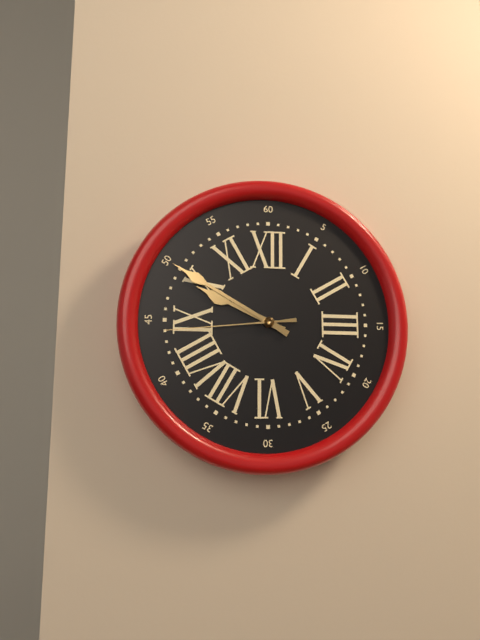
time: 9:50:44
